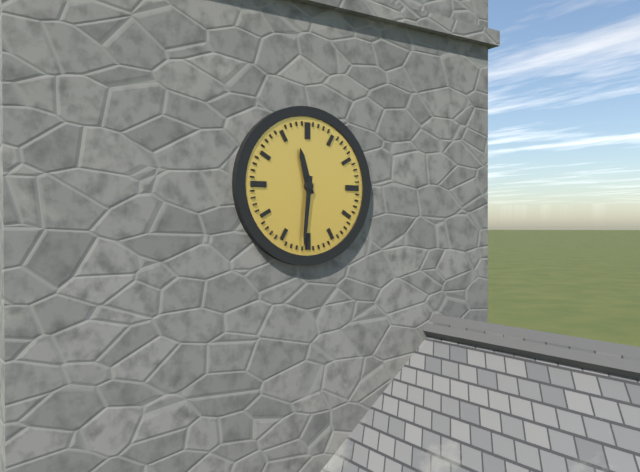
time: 11:31
